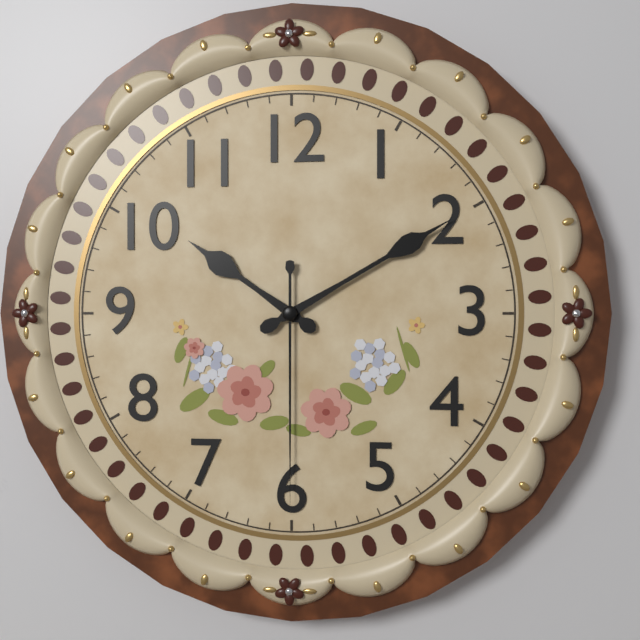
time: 10:10:30
